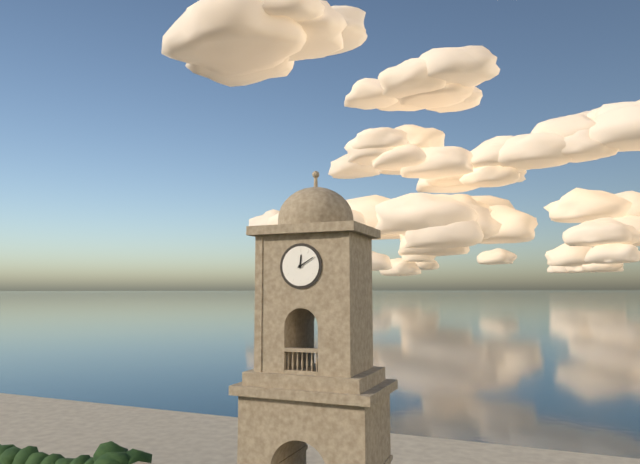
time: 12:10
